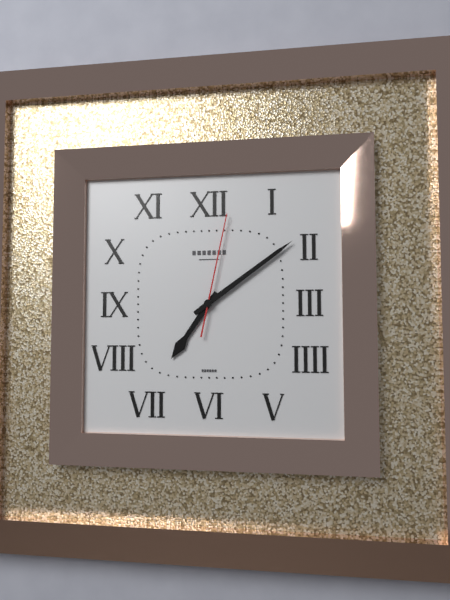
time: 7:09:02
